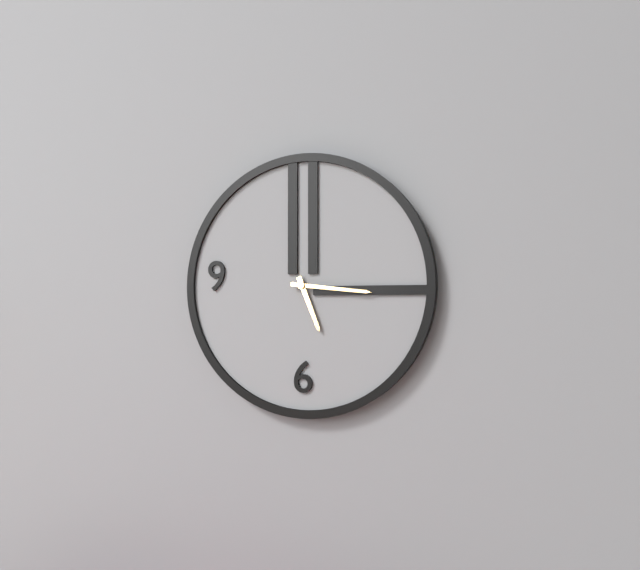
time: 5:16
